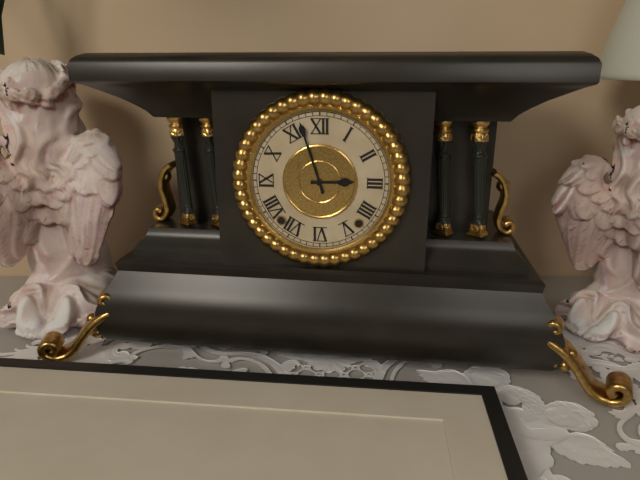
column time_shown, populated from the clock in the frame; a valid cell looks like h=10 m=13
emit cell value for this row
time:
h=2 m=57
